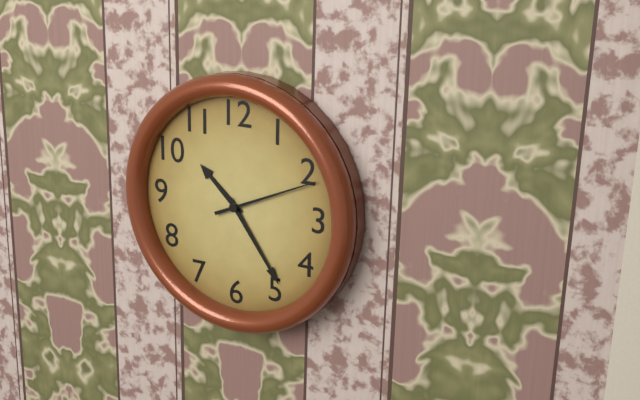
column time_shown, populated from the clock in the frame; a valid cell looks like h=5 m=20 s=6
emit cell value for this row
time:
h=10 m=24 s=11
